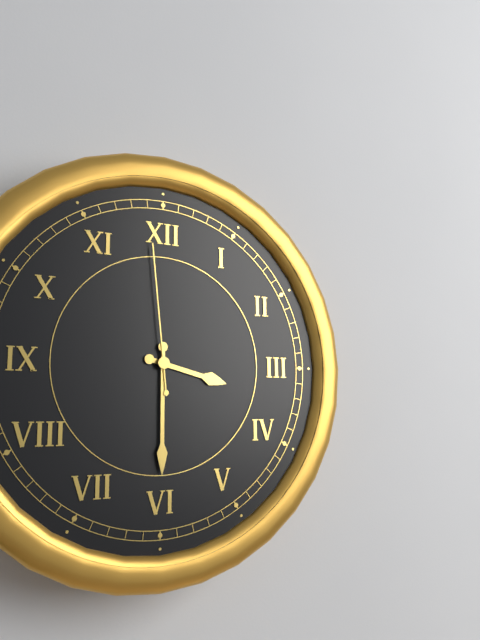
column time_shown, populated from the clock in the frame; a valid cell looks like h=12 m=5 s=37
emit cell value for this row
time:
h=3 m=30 s=59
